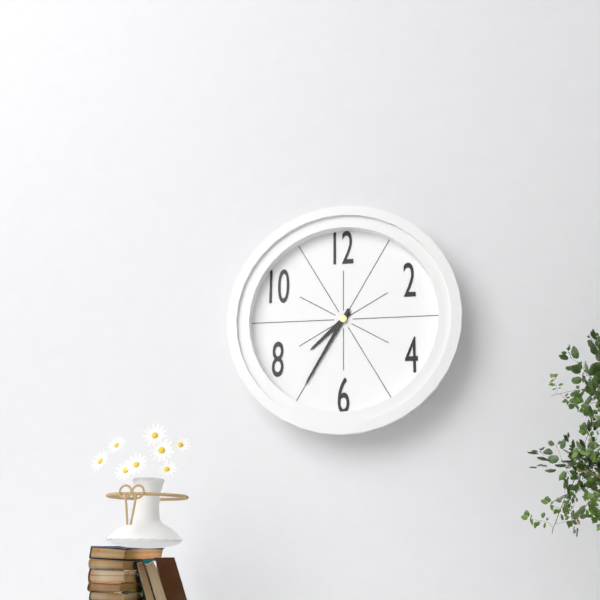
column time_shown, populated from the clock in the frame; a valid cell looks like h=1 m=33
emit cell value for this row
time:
h=7 m=35
